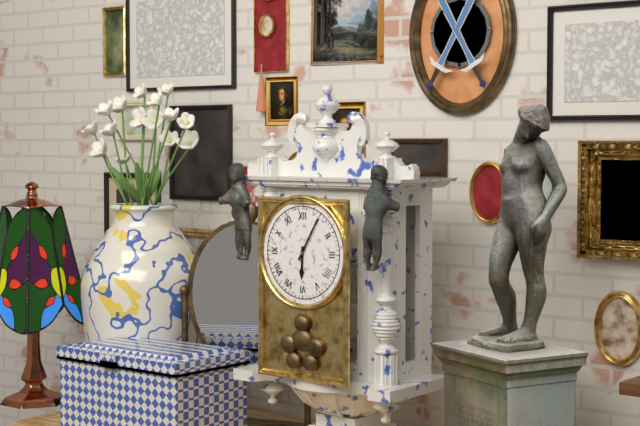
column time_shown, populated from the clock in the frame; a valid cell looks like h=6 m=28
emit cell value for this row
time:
h=6 m=5
